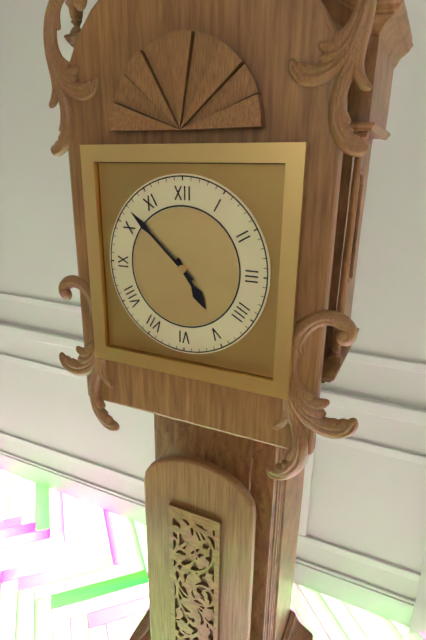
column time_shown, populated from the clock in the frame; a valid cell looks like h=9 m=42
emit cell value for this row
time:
h=4 m=52
